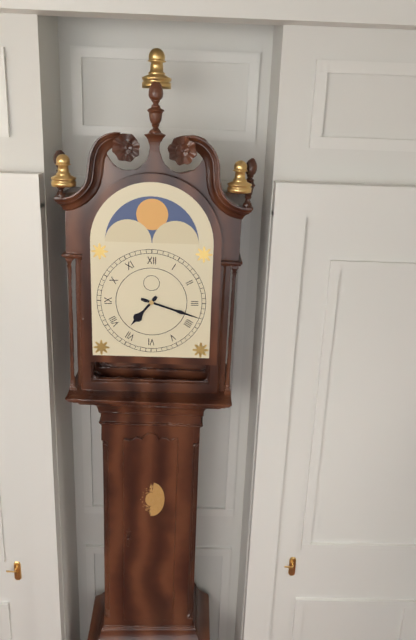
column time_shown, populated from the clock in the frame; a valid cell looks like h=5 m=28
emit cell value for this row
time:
h=7 m=18
